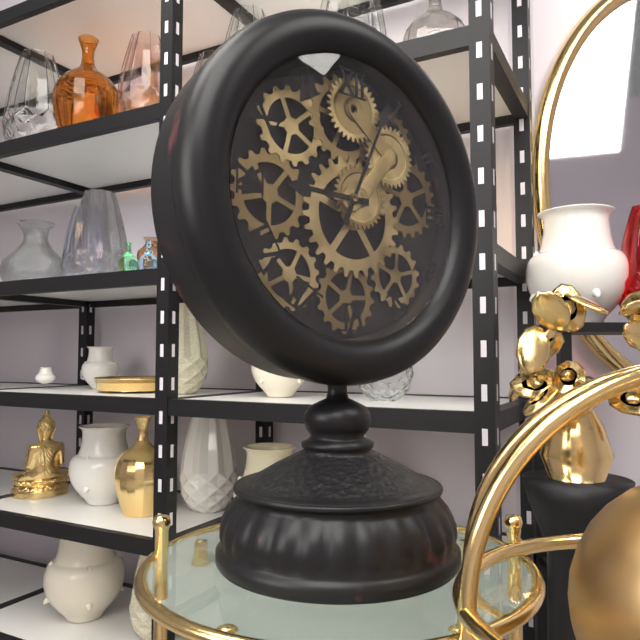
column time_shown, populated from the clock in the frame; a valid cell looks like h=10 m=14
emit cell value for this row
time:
h=9 m=4
